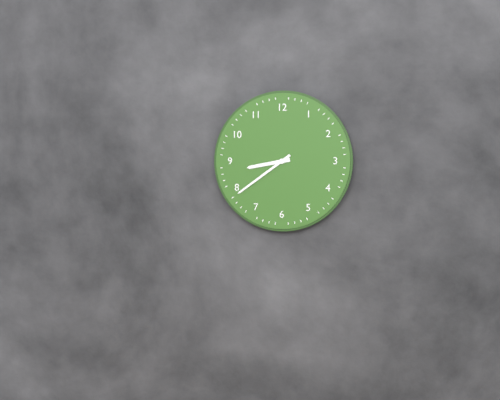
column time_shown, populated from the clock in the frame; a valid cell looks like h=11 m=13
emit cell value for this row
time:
h=8 m=39
